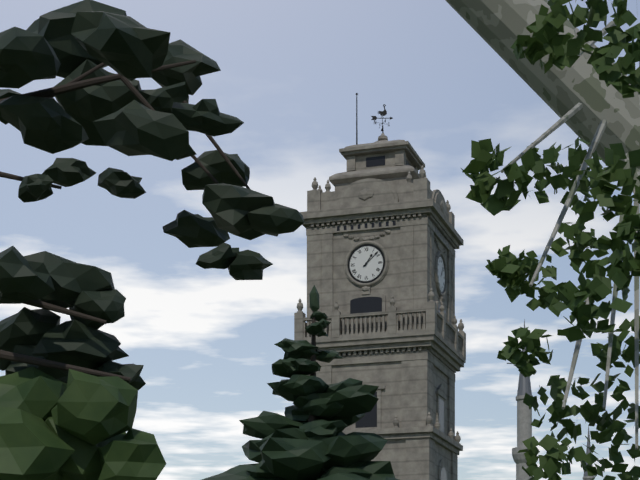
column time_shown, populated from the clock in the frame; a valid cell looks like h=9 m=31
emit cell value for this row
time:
h=1 m=8
